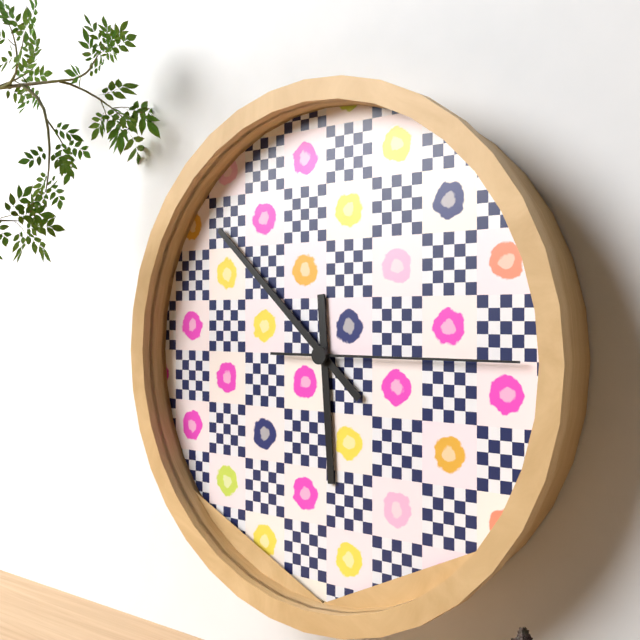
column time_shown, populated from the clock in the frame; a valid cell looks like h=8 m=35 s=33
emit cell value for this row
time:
h=5 m=52 s=15
